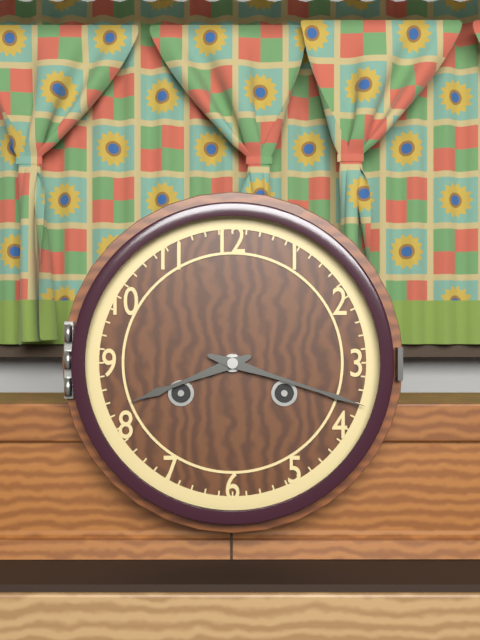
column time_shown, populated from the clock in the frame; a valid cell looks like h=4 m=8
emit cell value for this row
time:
h=8 m=18
